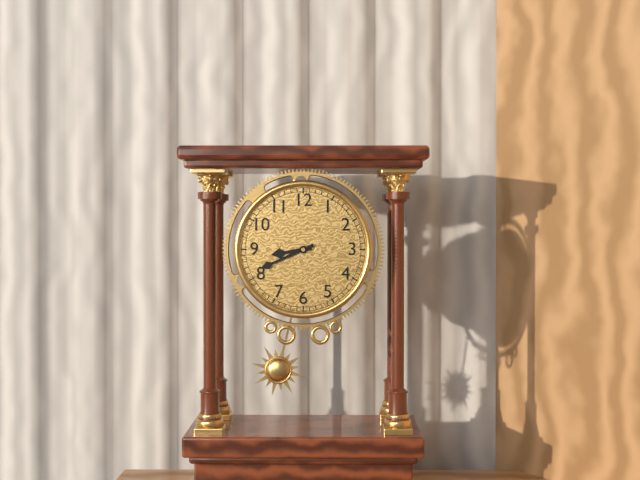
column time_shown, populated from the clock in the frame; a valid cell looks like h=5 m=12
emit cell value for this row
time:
h=8 m=41
